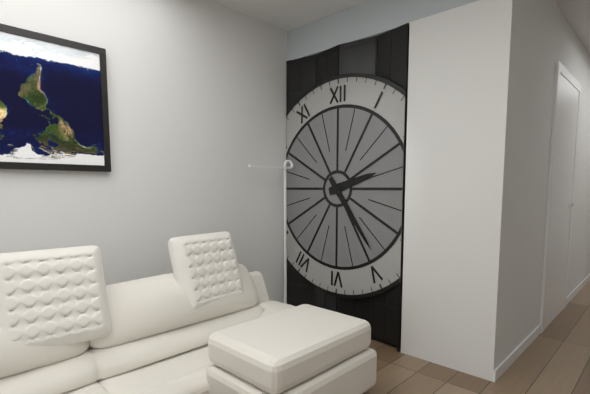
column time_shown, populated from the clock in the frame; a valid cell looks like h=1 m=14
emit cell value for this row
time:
h=2 m=24
